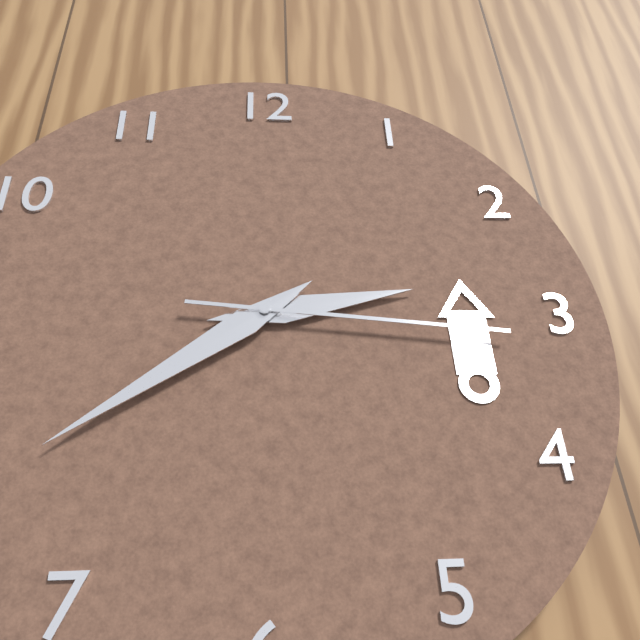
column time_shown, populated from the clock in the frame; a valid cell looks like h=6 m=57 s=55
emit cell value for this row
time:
h=2 m=39 s=16
